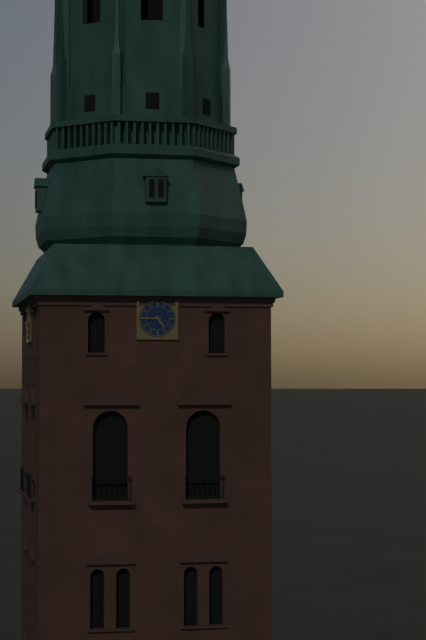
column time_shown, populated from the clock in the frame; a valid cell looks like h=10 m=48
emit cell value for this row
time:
h=4 m=45
